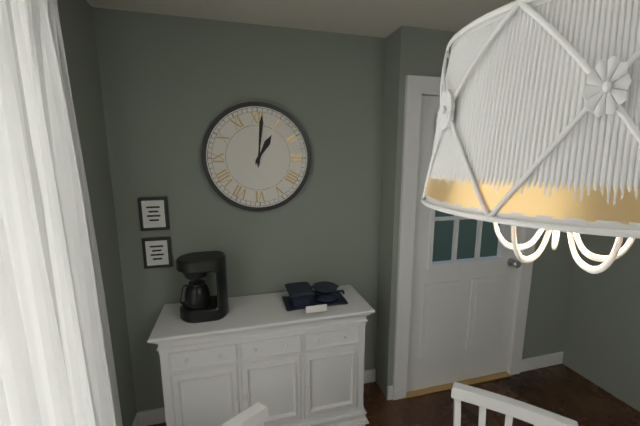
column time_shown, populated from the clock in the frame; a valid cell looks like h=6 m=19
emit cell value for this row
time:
h=1 m=1
